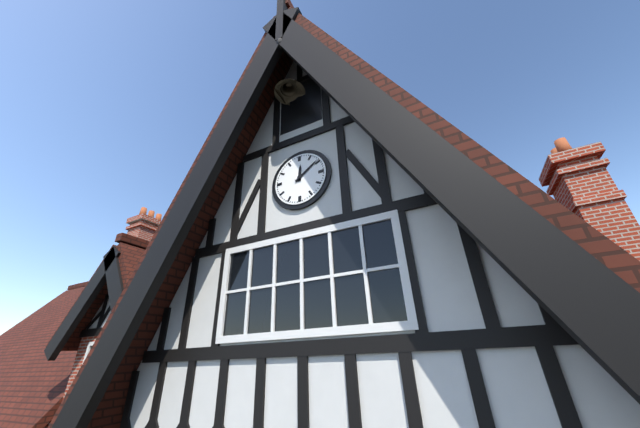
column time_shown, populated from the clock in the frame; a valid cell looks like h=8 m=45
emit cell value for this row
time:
h=12 m=9
